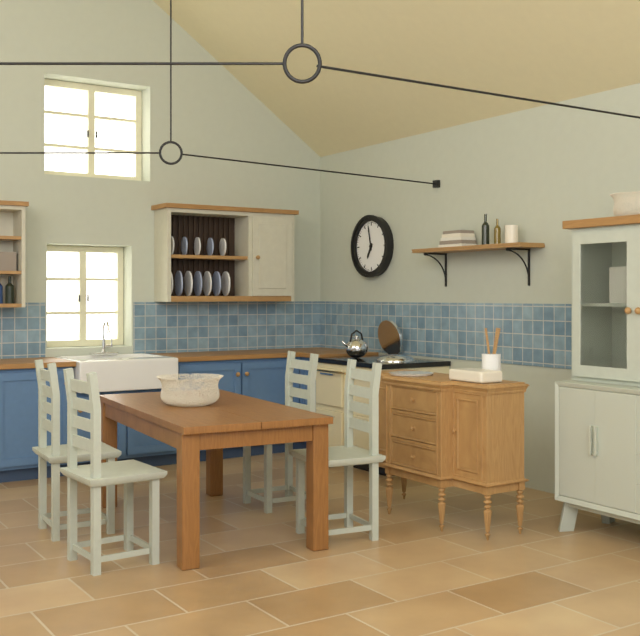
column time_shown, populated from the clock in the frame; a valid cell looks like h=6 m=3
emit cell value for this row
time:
h=6 m=58
